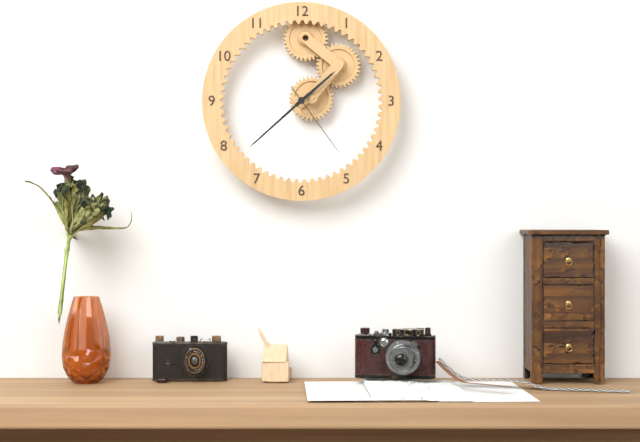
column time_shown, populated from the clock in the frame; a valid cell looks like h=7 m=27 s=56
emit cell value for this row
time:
h=1 m=38 s=24
